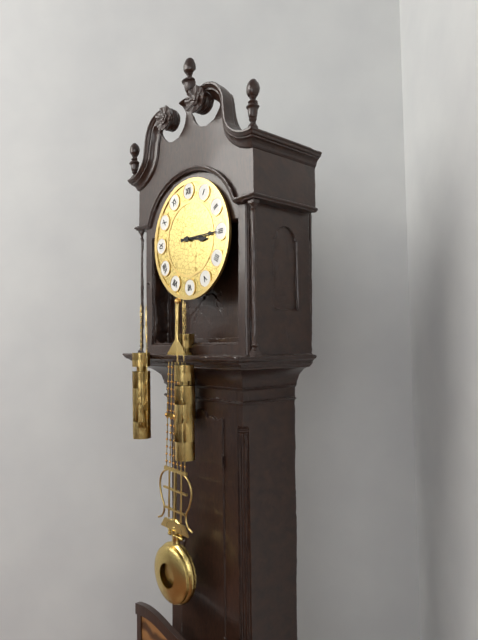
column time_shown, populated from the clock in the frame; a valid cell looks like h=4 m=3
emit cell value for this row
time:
h=3 m=15
